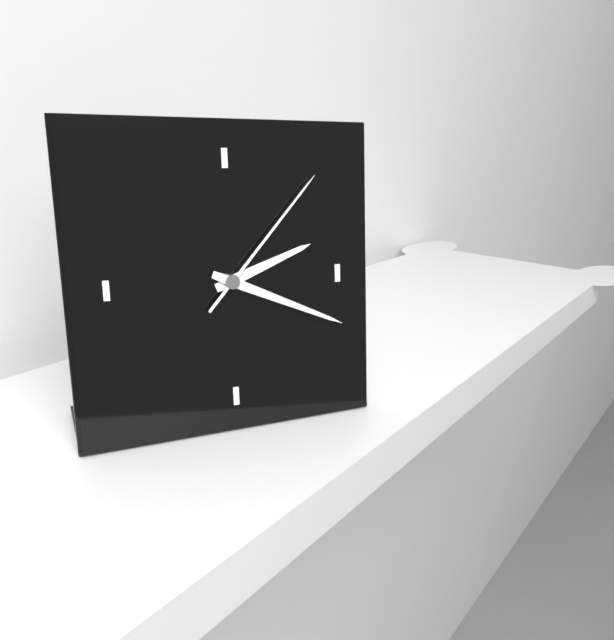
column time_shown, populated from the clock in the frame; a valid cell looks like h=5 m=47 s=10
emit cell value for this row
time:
h=2 m=19 s=7
